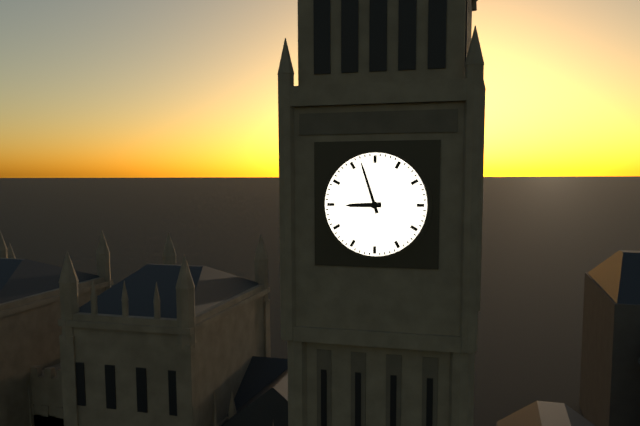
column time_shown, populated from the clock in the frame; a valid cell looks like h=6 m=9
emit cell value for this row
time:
h=8 m=57
